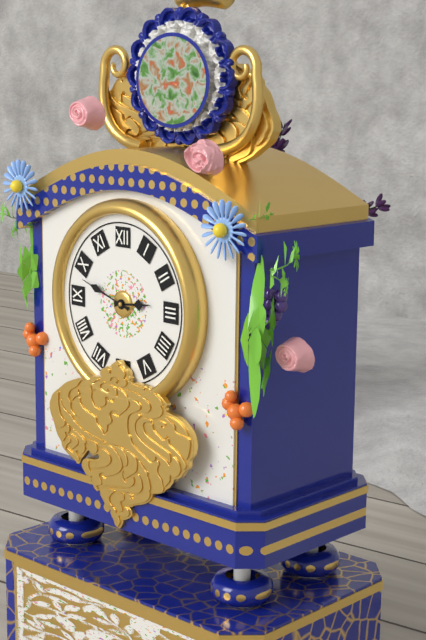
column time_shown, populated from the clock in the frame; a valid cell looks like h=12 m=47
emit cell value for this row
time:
h=2 m=48
